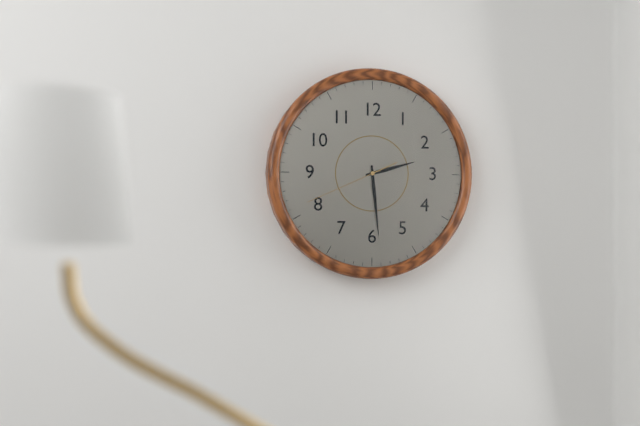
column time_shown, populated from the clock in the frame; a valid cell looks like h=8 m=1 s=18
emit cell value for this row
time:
h=2 m=29 s=41
